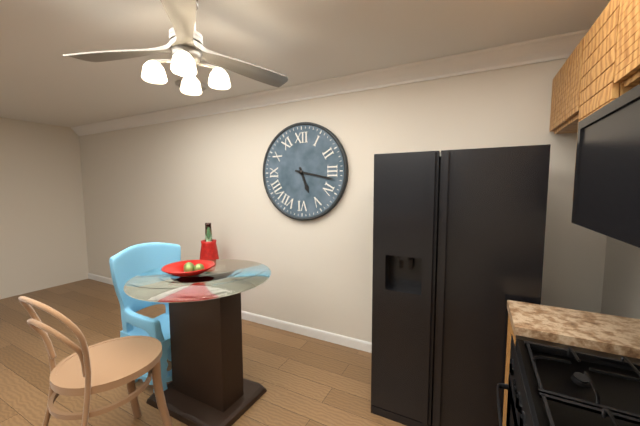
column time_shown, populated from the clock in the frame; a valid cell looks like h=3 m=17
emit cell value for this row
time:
h=5 m=17
